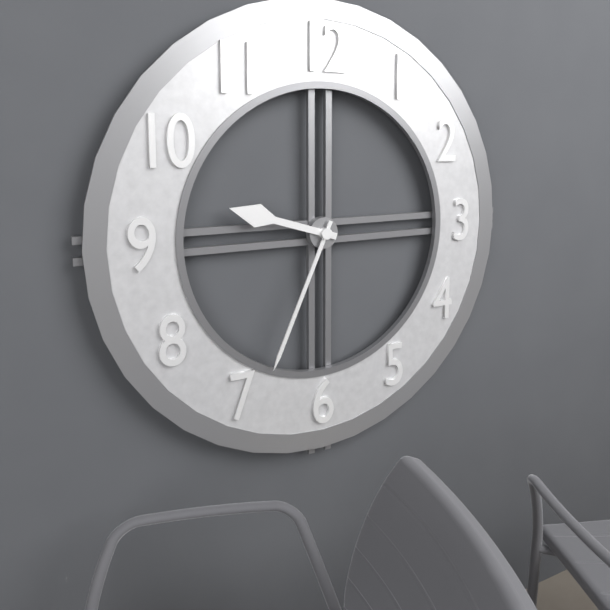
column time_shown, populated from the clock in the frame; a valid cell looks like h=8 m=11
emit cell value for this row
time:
h=9 m=34
